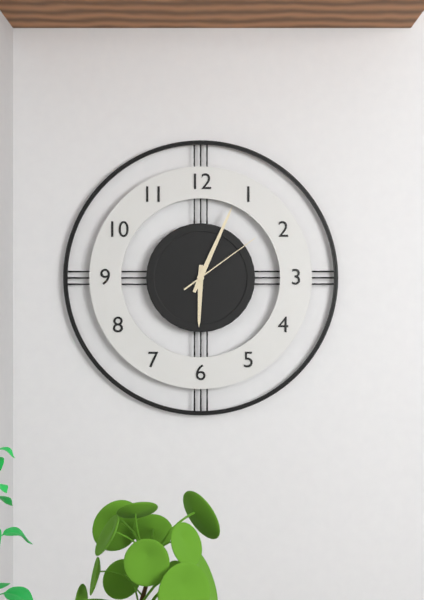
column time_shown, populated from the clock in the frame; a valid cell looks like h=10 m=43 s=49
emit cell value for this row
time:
h=6 m=4 s=9
